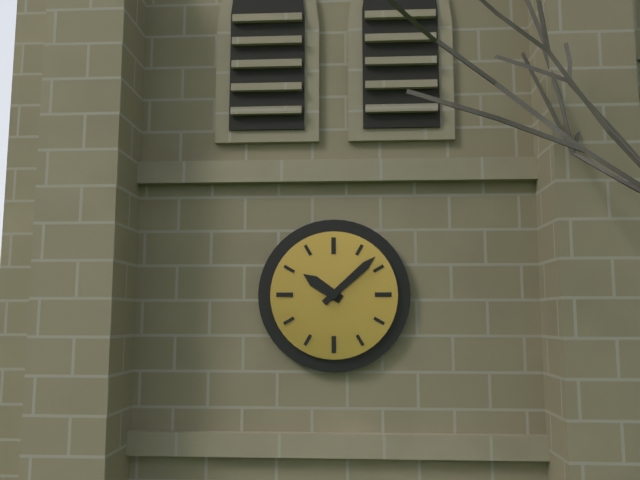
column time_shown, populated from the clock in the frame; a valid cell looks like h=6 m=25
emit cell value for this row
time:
h=10 m=8
